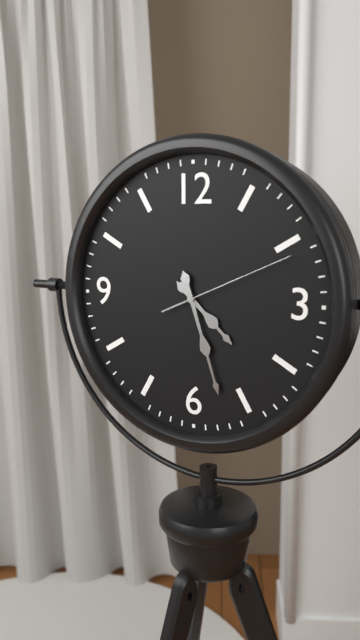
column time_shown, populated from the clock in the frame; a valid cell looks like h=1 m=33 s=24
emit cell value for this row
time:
h=4 m=27 s=11
